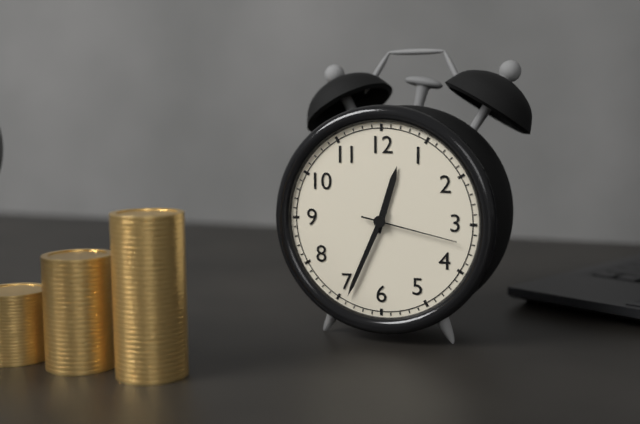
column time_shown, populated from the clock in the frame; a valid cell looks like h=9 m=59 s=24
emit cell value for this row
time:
h=12 m=34 s=17
